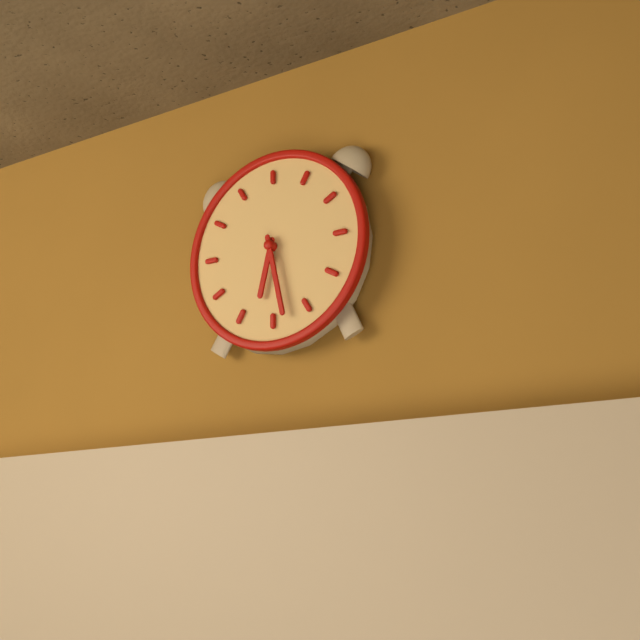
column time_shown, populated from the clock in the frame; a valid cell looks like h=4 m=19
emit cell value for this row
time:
h=6 m=28
